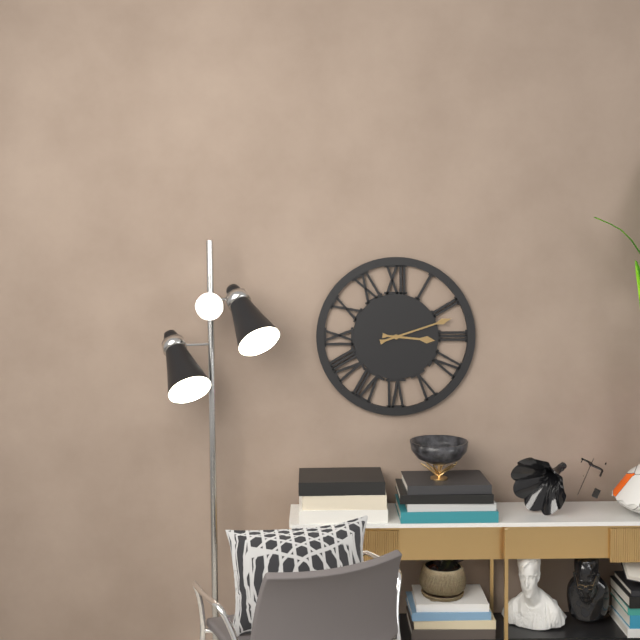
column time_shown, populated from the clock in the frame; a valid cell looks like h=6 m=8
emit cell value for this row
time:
h=3 m=12
